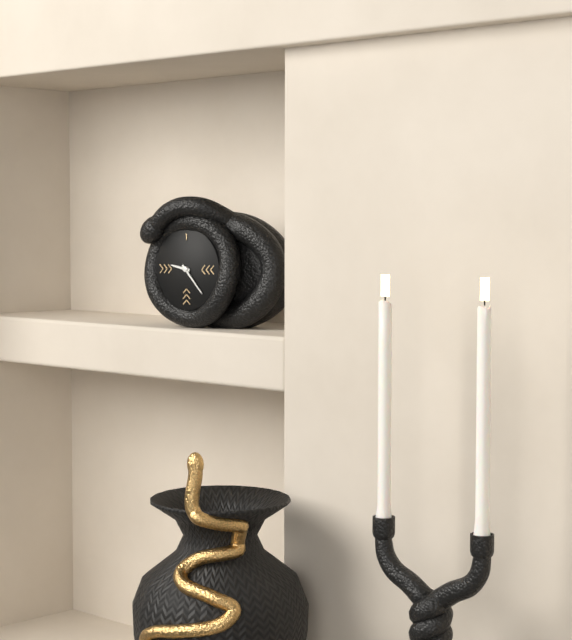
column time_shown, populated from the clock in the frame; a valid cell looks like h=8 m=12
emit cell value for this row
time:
h=9 m=23
